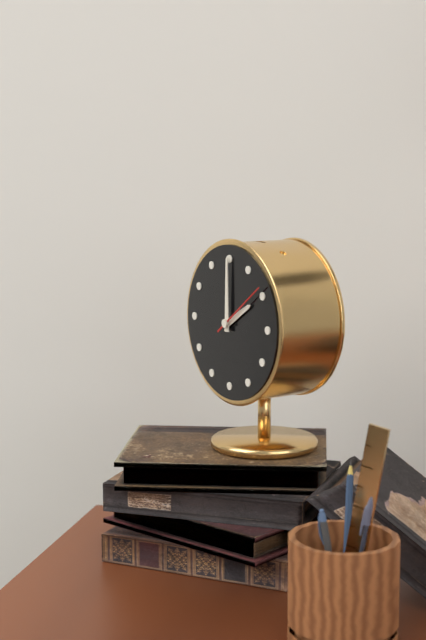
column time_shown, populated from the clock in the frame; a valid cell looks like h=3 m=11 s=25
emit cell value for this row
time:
h=2 m=0 s=9
